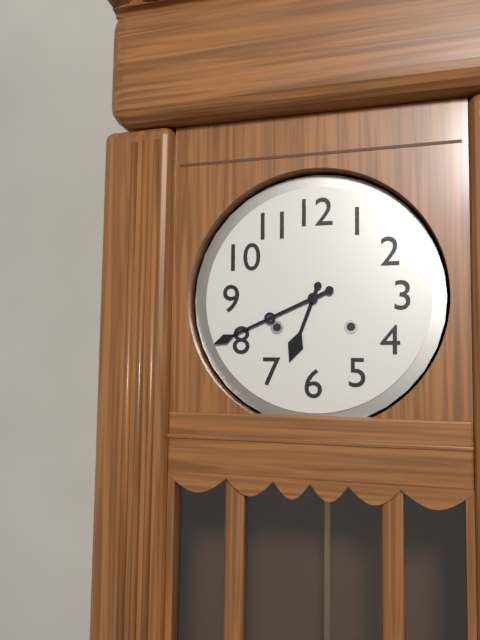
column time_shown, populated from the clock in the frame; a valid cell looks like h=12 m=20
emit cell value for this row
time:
h=6 m=41
